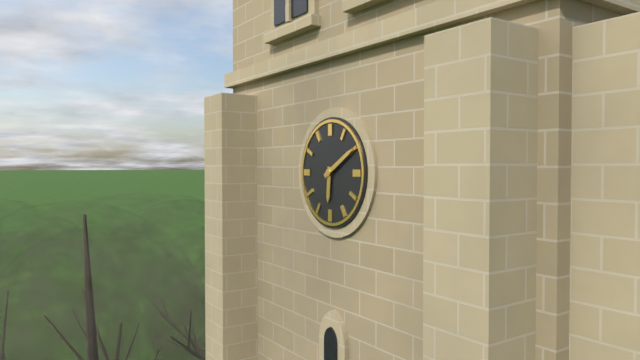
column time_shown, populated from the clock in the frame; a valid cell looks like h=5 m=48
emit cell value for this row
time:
h=6 m=10
